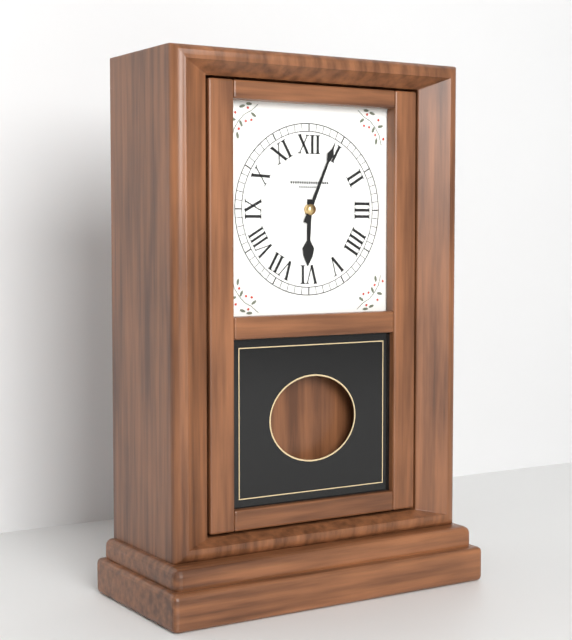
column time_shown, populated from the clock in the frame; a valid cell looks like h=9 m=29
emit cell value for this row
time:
h=6 m=4
